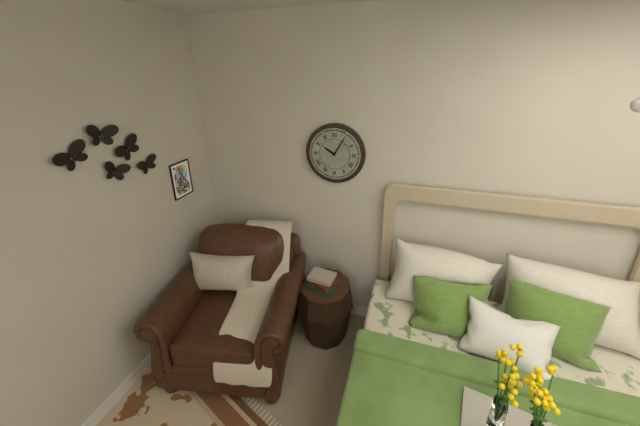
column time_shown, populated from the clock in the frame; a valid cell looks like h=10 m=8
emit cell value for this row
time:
h=10 m=5
